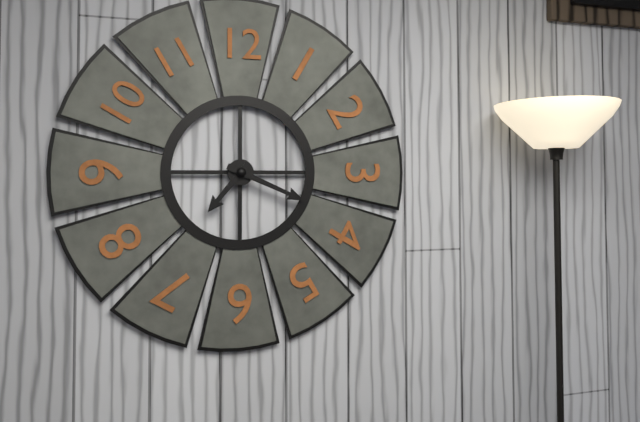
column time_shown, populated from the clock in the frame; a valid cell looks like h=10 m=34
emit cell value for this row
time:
h=7 m=19
